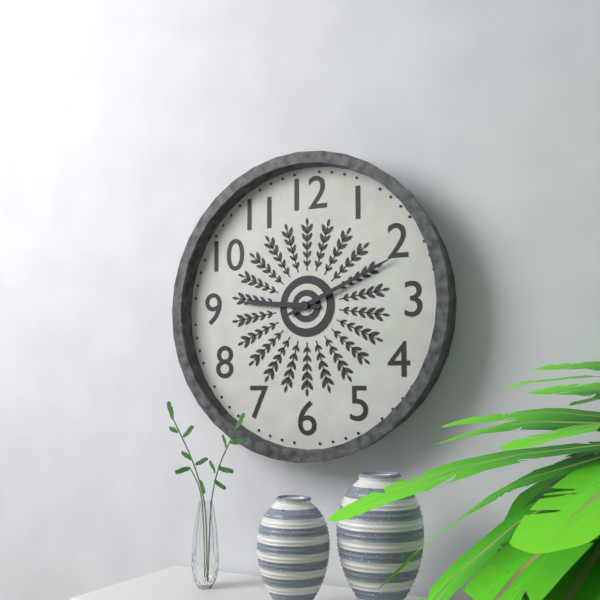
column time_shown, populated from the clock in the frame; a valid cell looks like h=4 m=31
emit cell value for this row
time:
h=9 m=11
